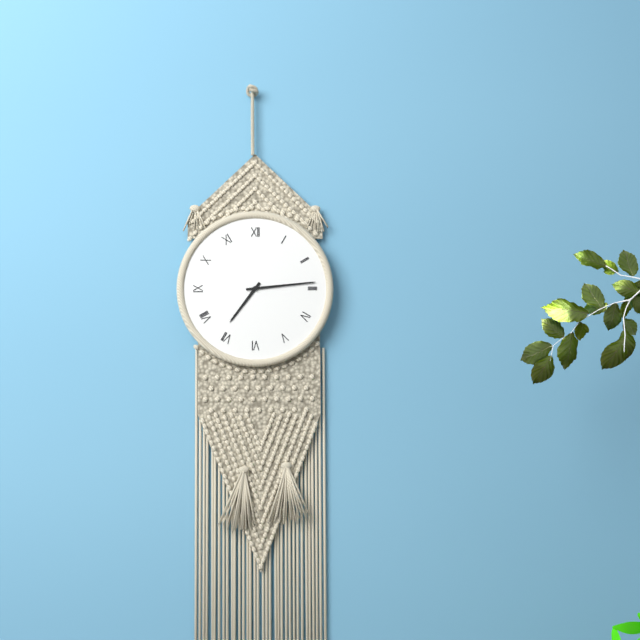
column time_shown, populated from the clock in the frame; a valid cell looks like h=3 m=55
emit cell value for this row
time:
h=7 m=14
